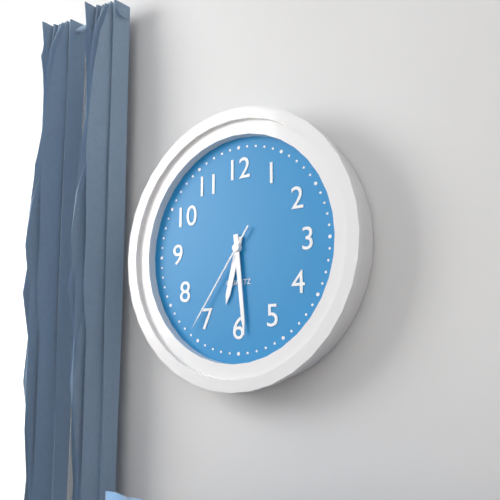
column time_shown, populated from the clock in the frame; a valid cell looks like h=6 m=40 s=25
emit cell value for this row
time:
h=6 m=29 s=36
